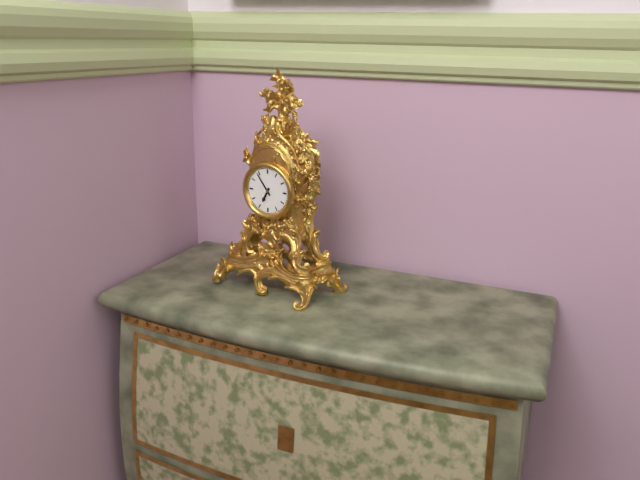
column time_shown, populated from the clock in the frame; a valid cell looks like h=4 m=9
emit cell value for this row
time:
h=6 m=54
